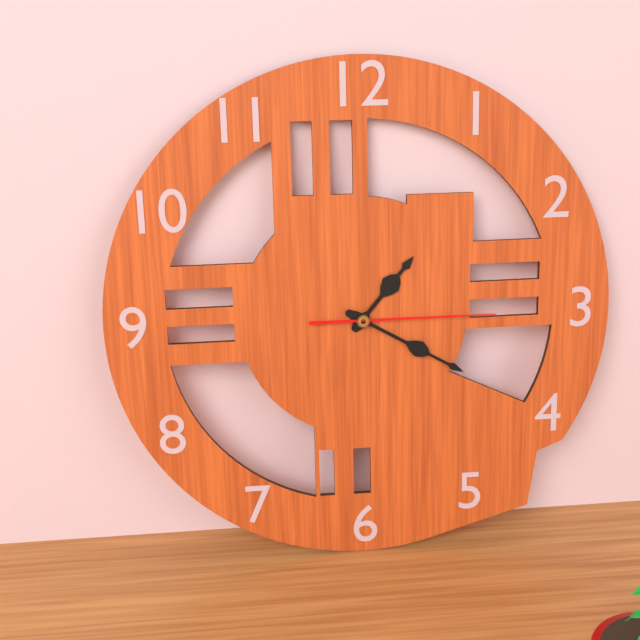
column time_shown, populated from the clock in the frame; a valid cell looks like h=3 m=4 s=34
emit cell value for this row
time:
h=1 m=20 s=15
